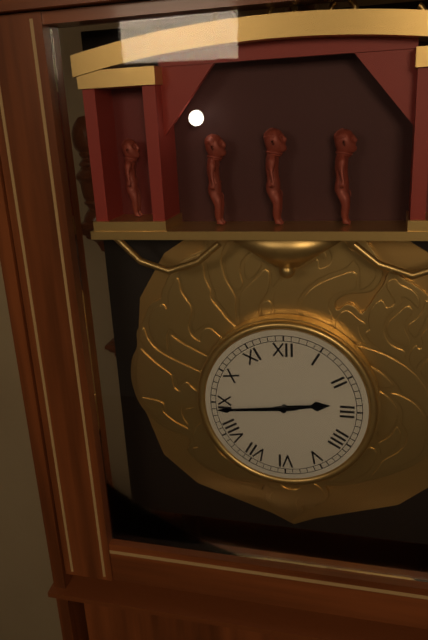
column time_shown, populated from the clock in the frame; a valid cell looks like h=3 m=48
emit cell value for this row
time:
h=2 m=44
